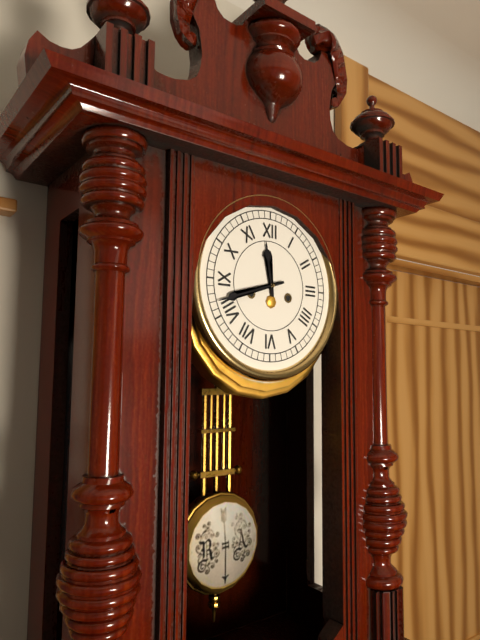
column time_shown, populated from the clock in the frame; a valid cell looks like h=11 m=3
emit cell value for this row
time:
h=11 m=42
